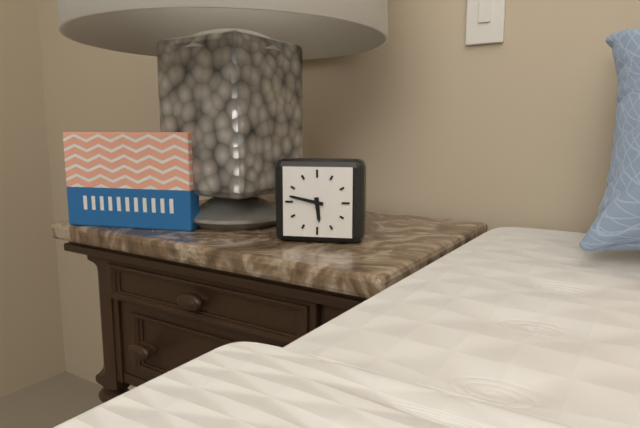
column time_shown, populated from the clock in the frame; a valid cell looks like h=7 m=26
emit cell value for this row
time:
h=5 m=47
